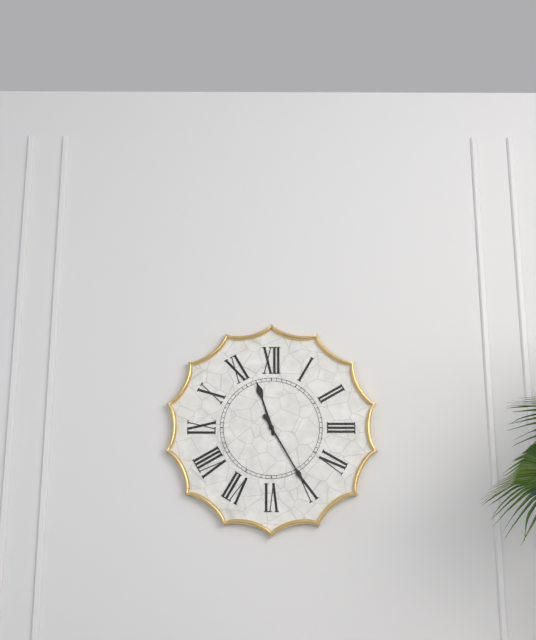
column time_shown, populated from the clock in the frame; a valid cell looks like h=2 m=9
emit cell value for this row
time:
h=11 m=25
